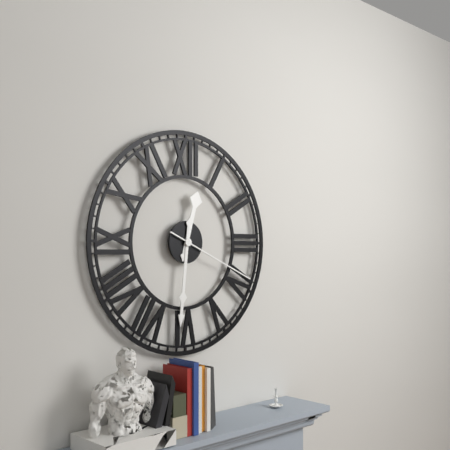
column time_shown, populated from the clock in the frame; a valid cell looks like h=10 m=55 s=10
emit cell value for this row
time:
h=12 m=31 s=19
